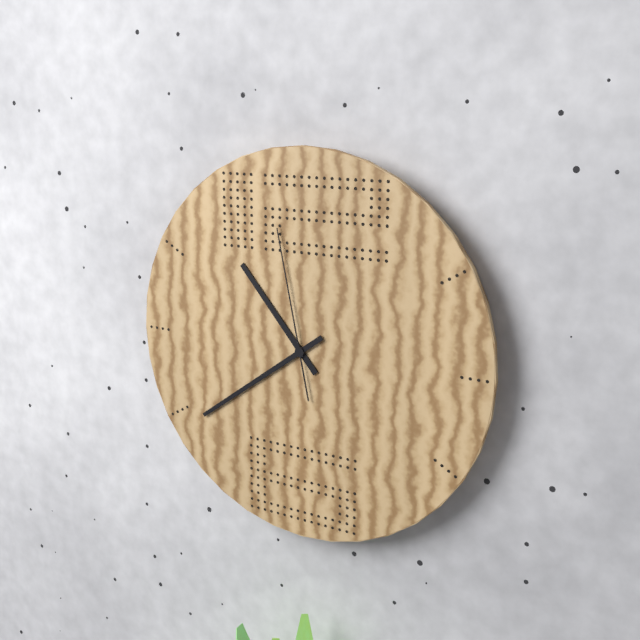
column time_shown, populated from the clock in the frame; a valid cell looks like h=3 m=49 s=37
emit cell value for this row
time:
h=10 m=39 s=58
